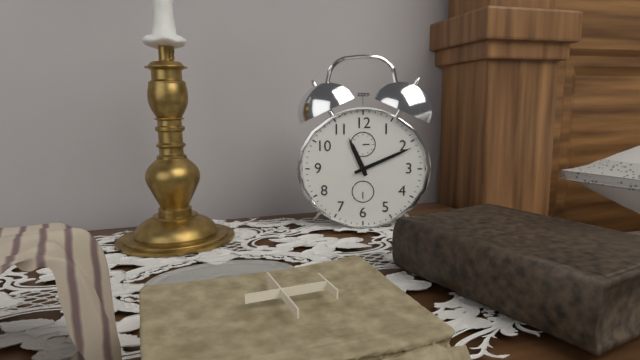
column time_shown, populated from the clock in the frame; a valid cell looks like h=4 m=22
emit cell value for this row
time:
h=11 m=11
